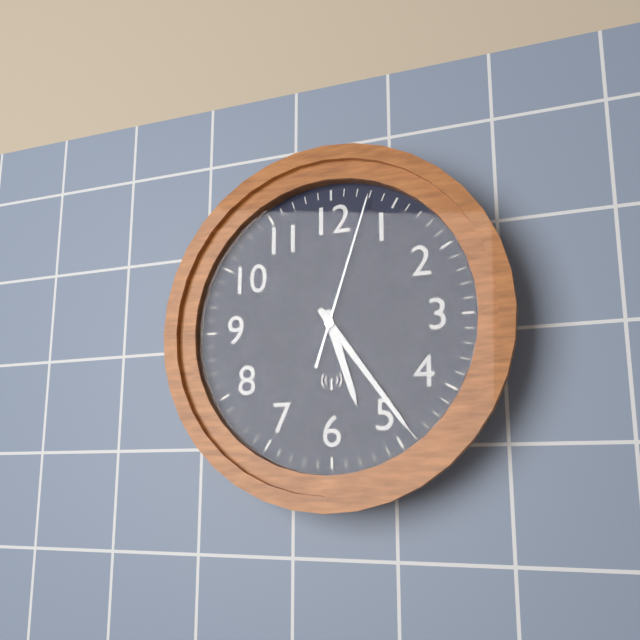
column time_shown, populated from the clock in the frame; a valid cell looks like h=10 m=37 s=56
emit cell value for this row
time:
h=5 m=24 s=3
